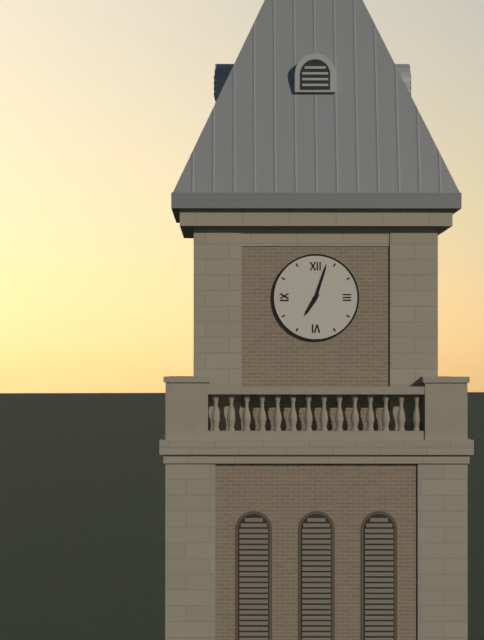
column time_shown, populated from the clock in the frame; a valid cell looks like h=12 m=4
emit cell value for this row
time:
h=7 m=3
